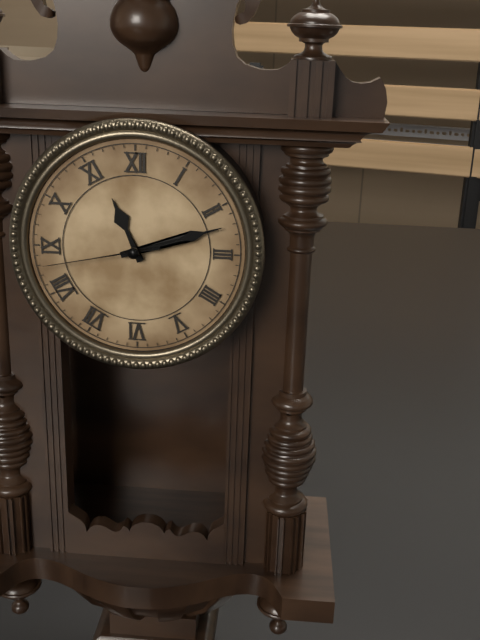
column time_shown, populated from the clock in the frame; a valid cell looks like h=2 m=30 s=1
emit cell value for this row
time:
h=11 m=12 s=43
